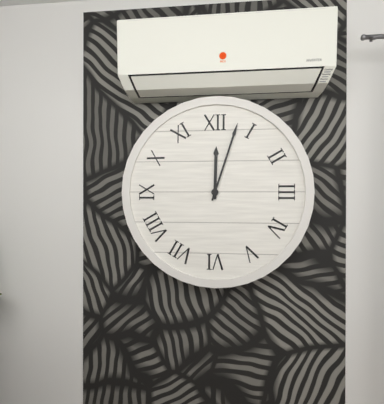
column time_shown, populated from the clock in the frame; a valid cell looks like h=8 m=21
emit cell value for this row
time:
h=12 m=3
